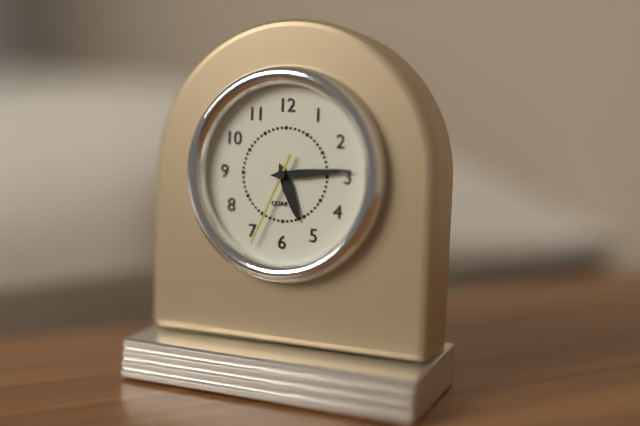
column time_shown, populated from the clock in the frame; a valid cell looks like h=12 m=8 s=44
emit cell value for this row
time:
h=5 m=14 s=34
